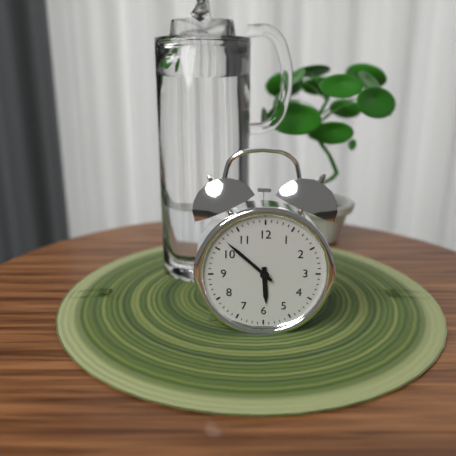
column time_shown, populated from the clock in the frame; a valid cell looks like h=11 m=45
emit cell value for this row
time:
h=5 m=52
